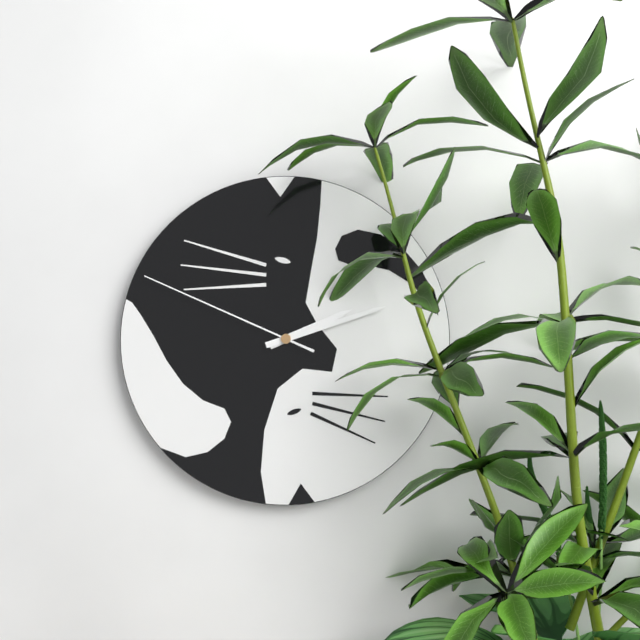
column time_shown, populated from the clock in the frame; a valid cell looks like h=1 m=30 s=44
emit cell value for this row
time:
h=2 m=12 s=49
